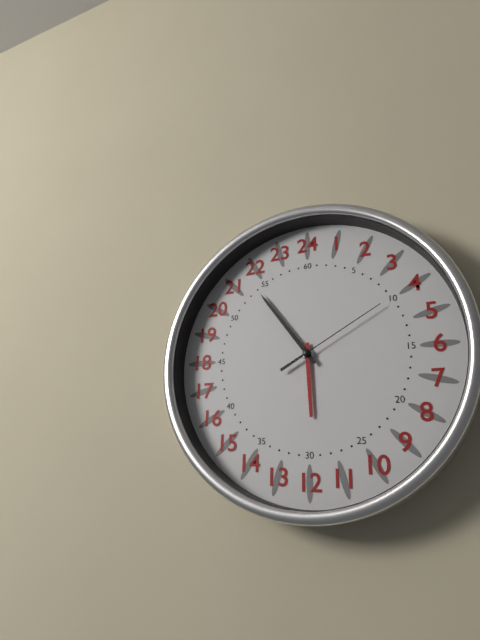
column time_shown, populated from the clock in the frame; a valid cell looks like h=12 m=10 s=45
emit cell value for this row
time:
h=5 m=54 s=10
